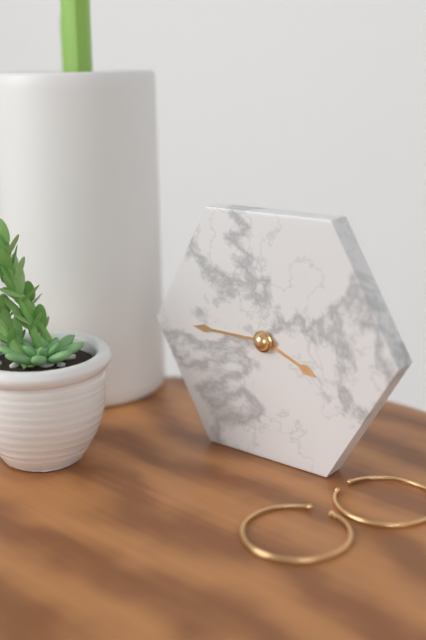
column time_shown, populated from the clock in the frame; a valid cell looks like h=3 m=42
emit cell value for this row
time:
h=3 m=45
